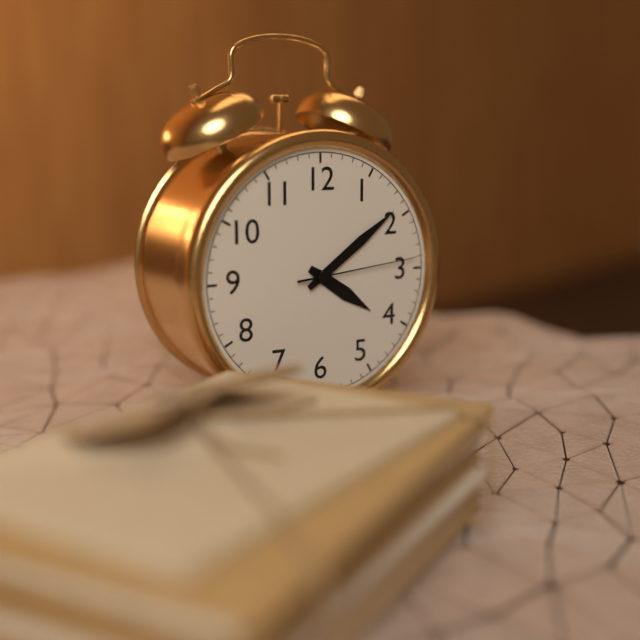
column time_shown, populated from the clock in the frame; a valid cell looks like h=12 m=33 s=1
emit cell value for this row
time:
h=4 m=9 s=14
